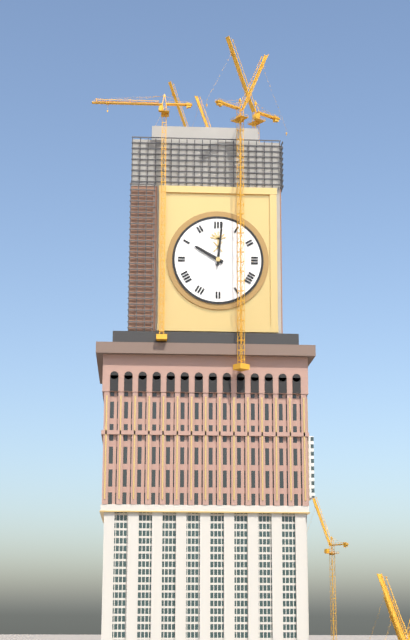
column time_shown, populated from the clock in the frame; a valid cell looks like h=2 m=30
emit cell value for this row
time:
h=10 m=1
